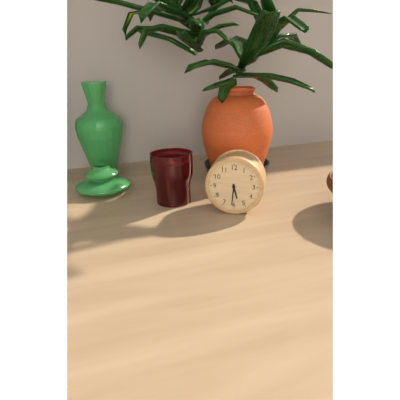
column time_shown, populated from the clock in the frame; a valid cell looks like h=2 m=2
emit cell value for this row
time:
h=5 m=31
